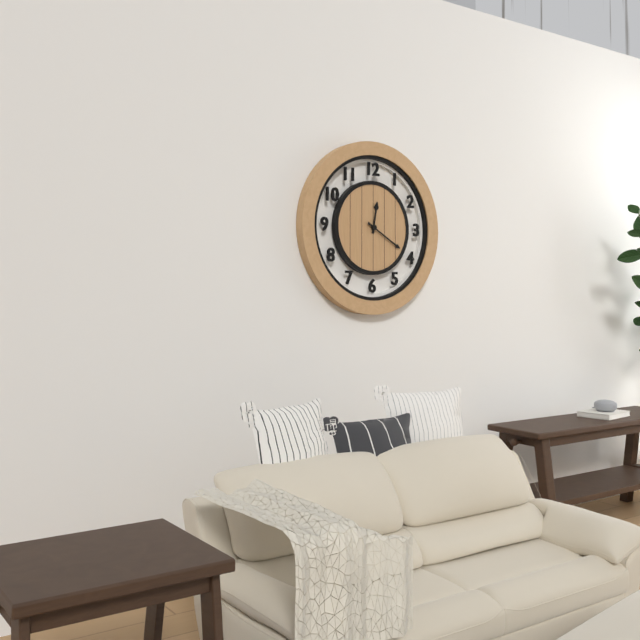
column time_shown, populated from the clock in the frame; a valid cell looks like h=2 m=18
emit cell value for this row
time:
h=12 m=20
